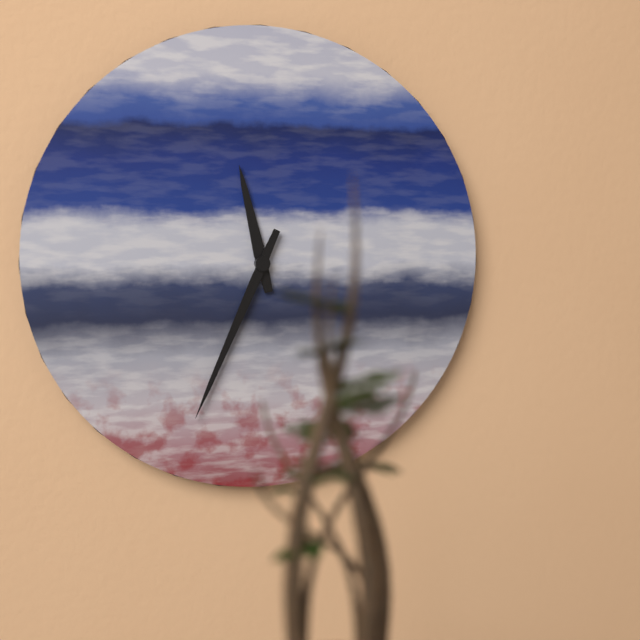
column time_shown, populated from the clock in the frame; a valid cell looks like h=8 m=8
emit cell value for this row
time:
h=11 m=34
